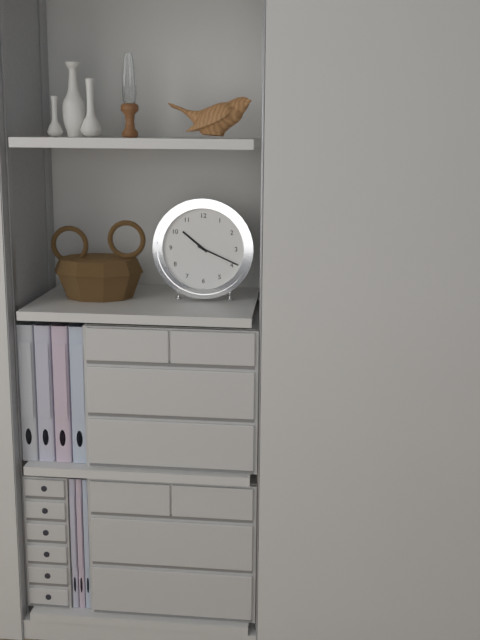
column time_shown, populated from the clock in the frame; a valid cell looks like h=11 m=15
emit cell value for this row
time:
h=10 m=19
